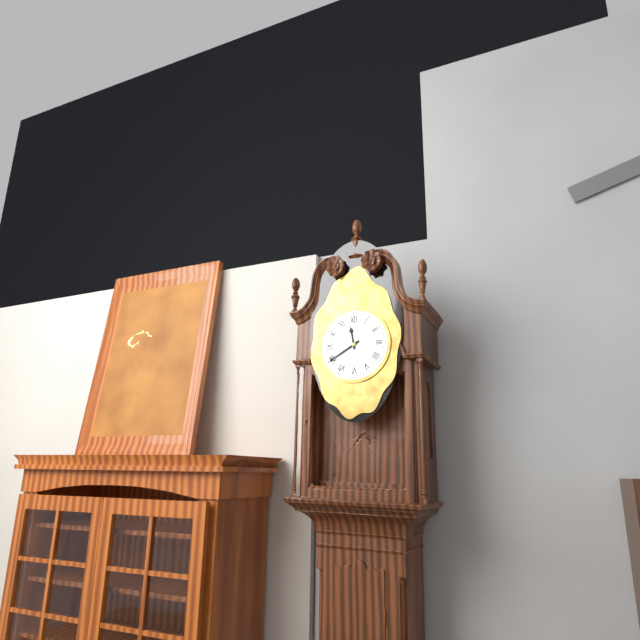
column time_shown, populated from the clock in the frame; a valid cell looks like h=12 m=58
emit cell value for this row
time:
h=11 m=40
